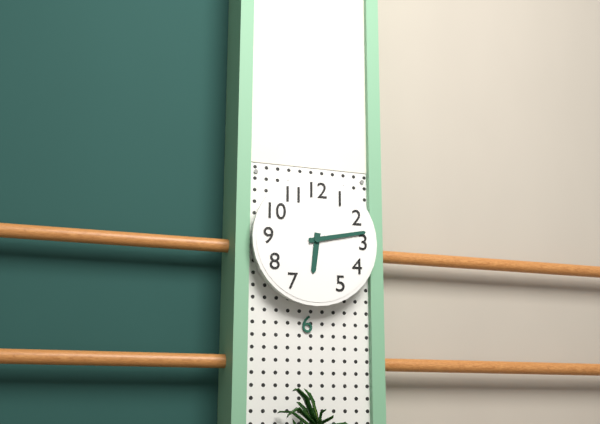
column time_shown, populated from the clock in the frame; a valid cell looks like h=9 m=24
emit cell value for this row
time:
h=6 m=13
